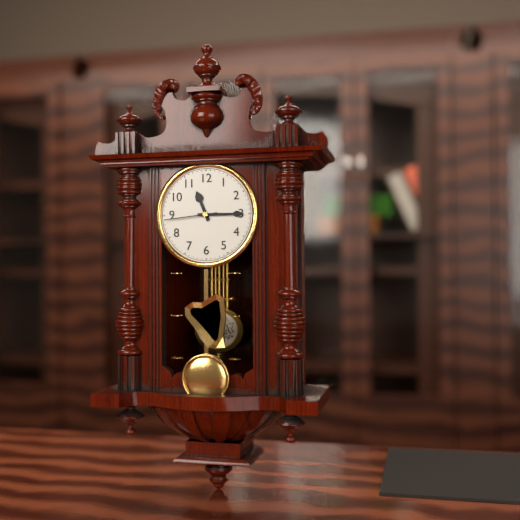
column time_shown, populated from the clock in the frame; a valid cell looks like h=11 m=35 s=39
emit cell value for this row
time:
h=11 m=15 s=44
